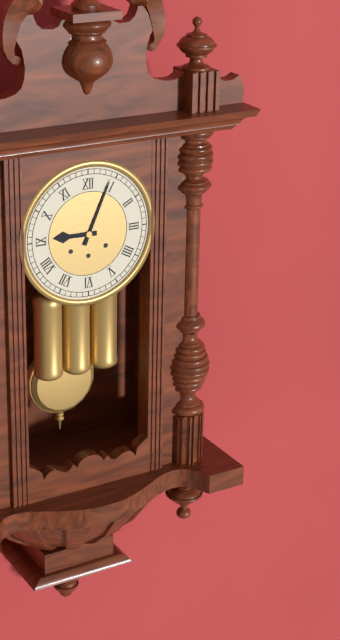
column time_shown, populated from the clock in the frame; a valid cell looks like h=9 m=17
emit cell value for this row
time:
h=9 m=4
